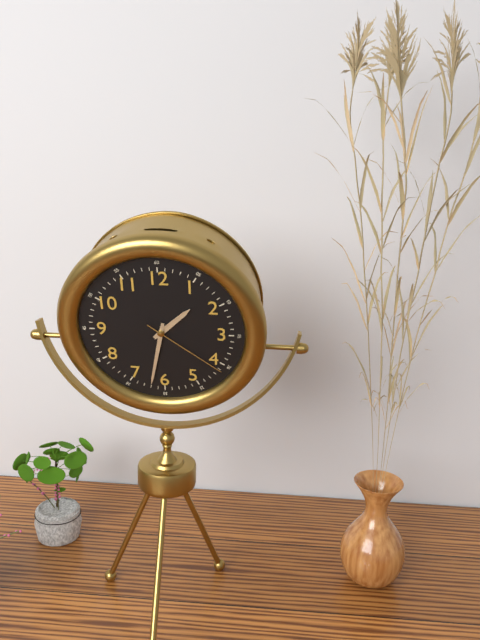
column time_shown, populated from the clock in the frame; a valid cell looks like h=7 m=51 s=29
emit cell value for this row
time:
h=1 m=32 s=21
